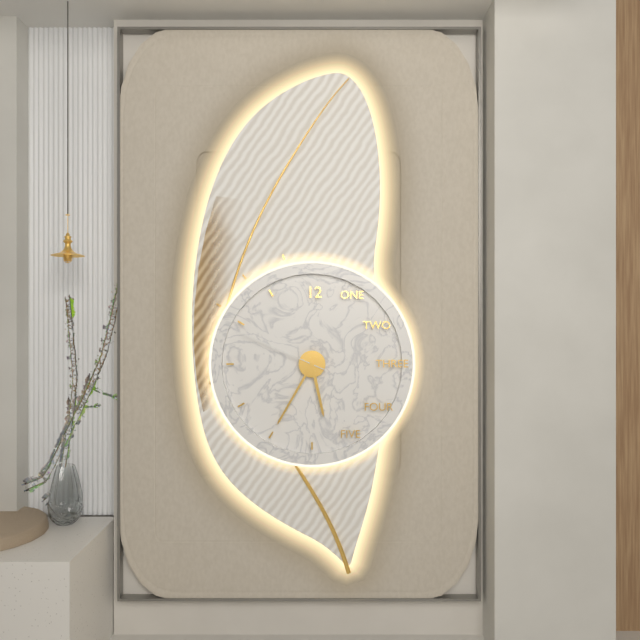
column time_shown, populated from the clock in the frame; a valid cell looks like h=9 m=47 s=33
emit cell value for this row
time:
h=5 m=35 s=49
